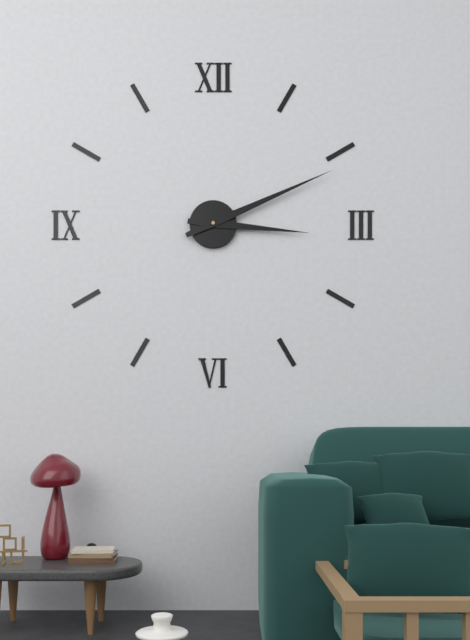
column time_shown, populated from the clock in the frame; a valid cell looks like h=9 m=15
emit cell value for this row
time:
h=3 m=11
